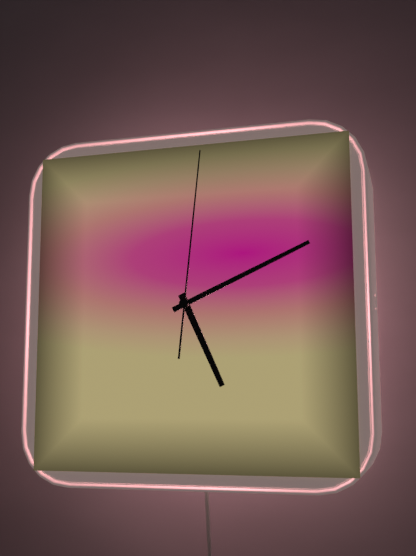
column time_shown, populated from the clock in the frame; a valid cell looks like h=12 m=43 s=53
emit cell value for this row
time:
h=5 m=11 s=1
